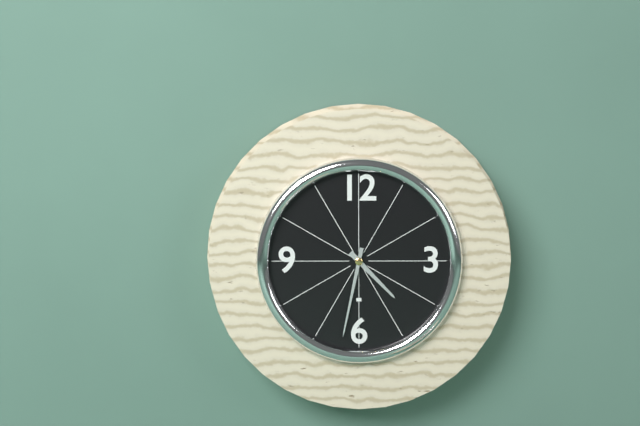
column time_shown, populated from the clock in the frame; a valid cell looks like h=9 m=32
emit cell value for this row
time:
h=4 m=32
